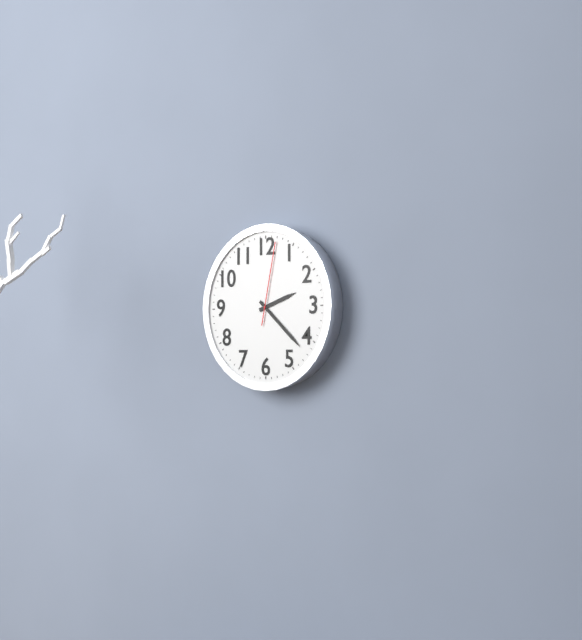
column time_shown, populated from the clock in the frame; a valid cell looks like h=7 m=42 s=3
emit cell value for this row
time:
h=2 m=22 s=2
